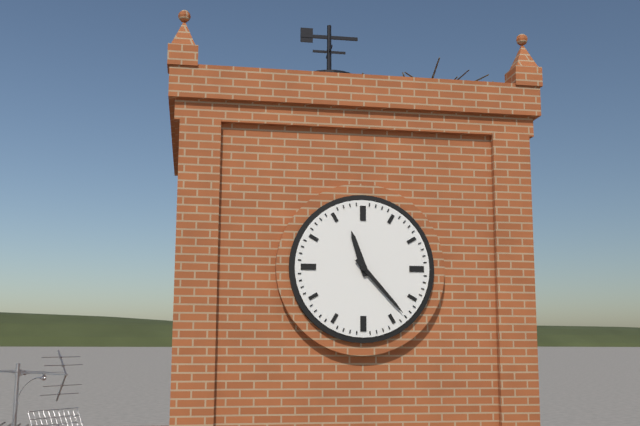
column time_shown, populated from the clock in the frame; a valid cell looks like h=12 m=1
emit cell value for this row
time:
h=11 m=23
